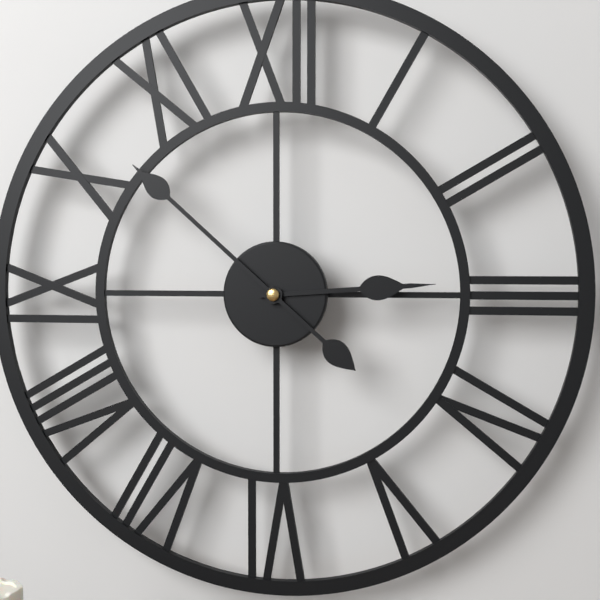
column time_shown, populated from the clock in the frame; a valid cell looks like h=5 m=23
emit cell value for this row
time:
h=2 m=52
